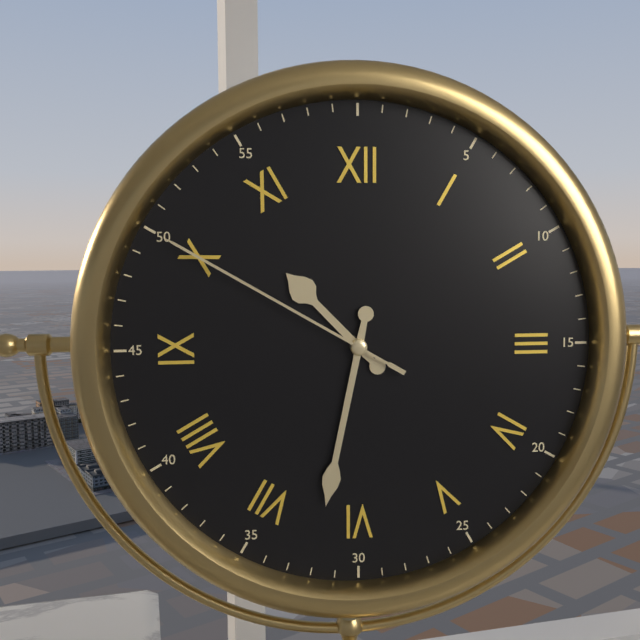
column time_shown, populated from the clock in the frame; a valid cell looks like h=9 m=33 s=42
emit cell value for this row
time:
h=10 m=32 s=50
